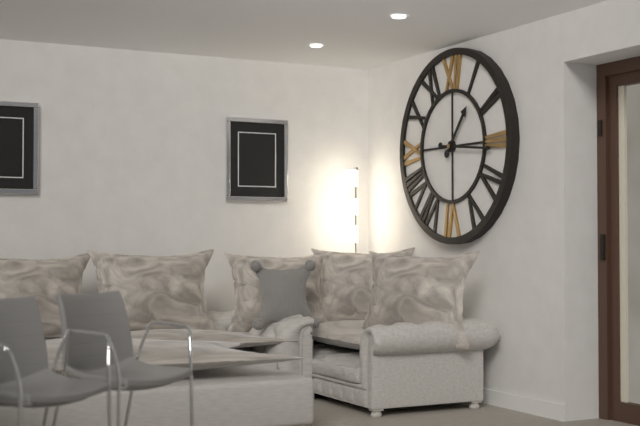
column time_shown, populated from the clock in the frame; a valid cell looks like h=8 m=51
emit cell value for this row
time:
h=1 m=16
